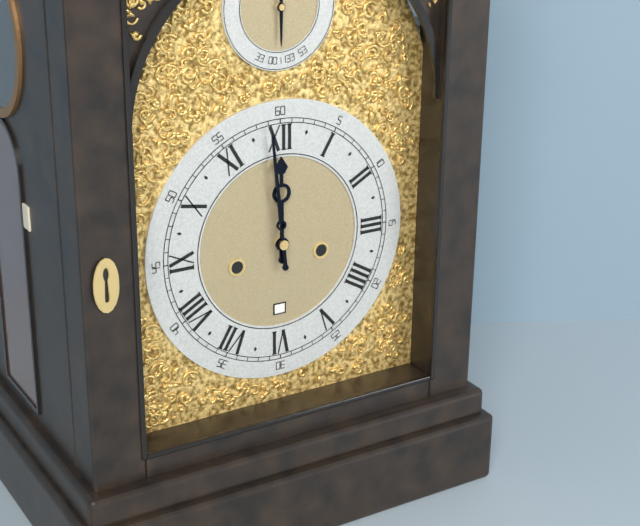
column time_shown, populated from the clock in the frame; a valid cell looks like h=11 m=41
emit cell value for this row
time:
h=11 m=59
